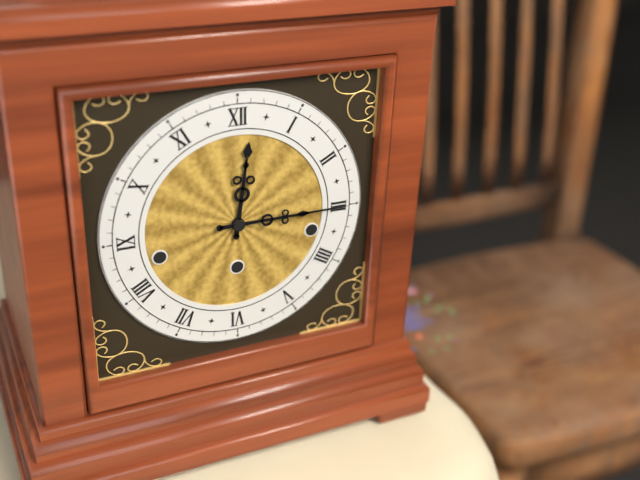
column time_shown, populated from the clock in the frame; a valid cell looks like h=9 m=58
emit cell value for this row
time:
h=12 m=15
